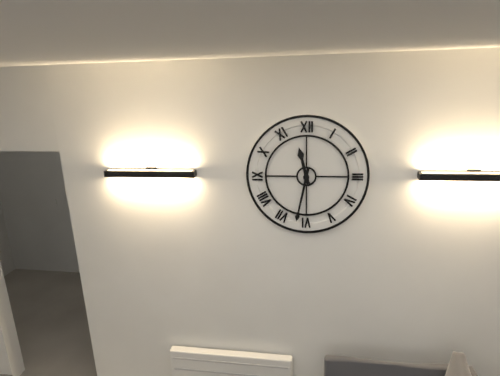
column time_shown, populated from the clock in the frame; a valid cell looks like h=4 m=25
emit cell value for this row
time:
h=11 m=32
